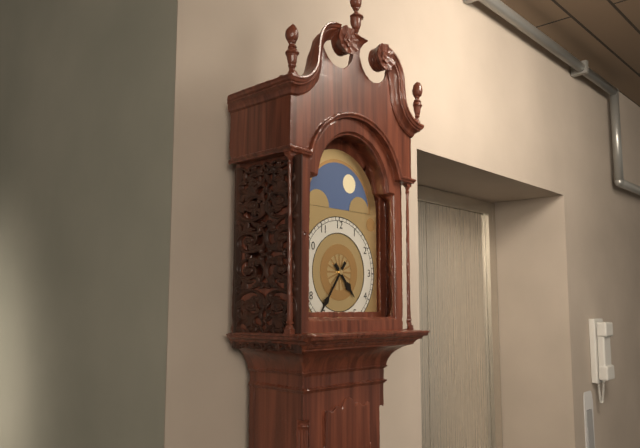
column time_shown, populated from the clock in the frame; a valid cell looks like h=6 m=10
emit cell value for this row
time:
h=4 m=36
